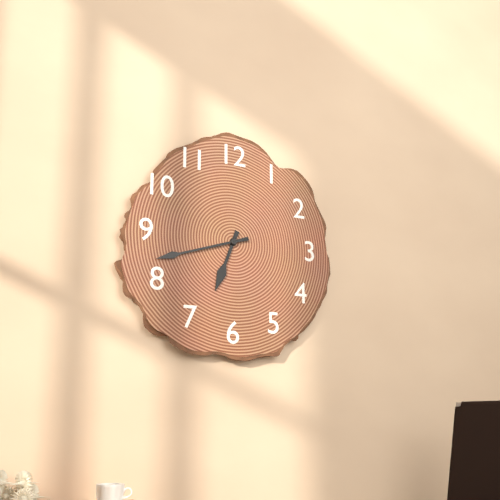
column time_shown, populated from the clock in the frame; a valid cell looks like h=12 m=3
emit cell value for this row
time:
h=6 m=42
